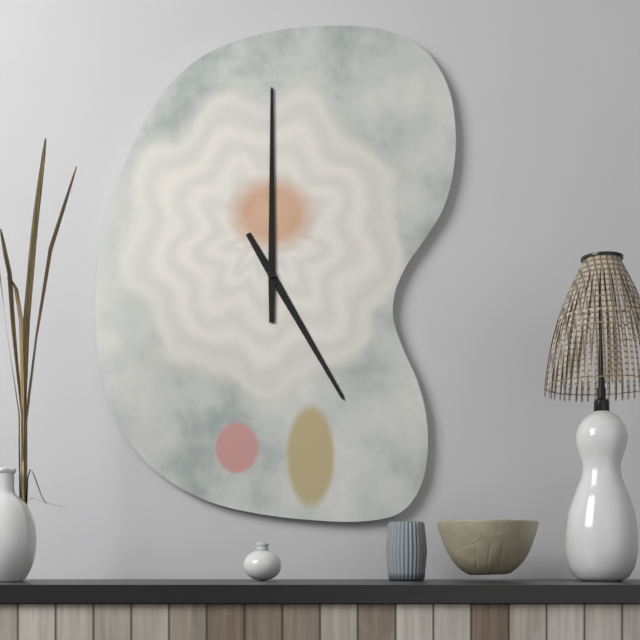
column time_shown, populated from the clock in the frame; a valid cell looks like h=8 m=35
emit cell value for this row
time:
h=5 m=0
